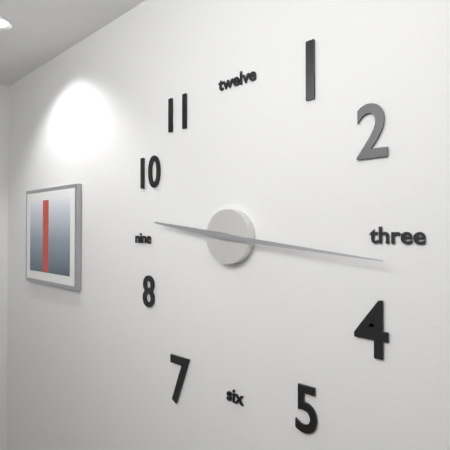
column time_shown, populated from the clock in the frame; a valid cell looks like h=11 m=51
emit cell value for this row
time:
h=9 m=16
